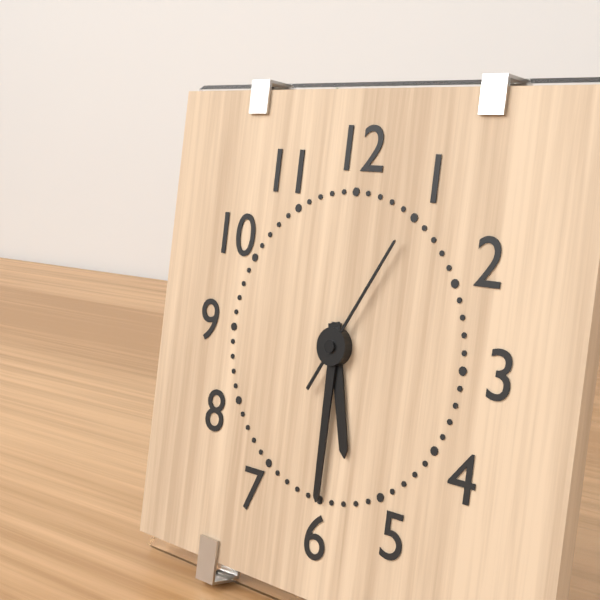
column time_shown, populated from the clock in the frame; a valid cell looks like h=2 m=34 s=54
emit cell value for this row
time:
h=5 m=30 s=5
